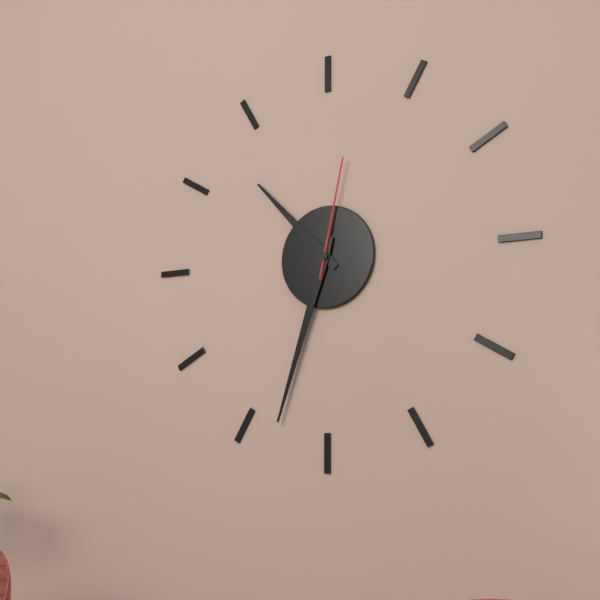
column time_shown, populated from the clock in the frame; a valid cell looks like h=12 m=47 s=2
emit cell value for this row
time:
h=10 m=33 s=2
